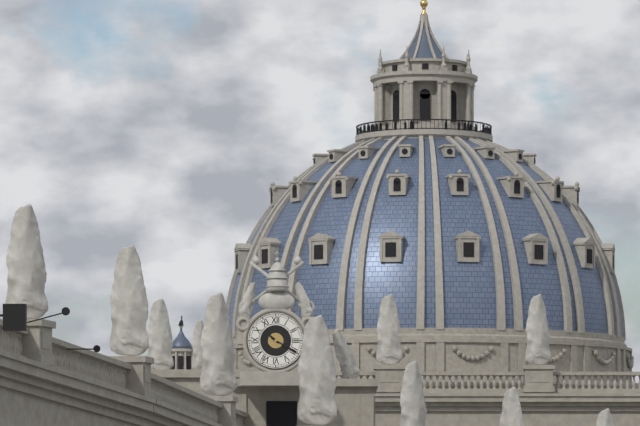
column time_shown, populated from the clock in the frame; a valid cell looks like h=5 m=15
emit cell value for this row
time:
h=10 m=20
